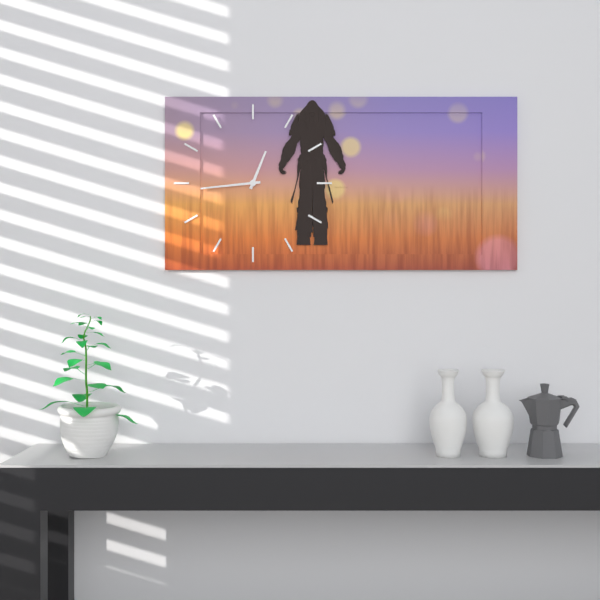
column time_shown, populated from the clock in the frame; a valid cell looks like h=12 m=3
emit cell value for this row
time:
h=12 m=44
